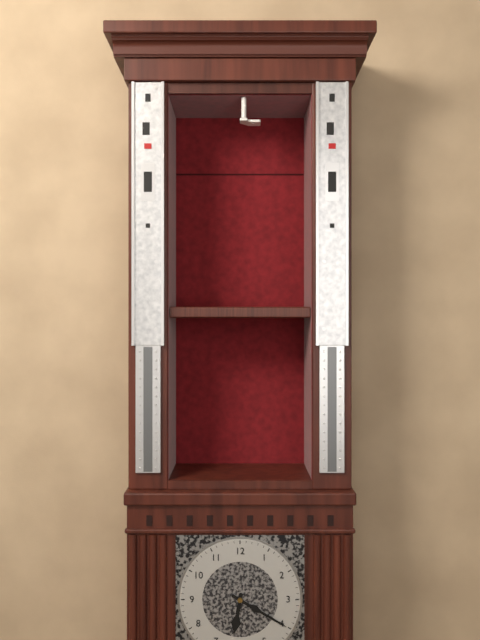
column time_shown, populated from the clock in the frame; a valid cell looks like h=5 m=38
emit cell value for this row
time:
h=6 m=20
